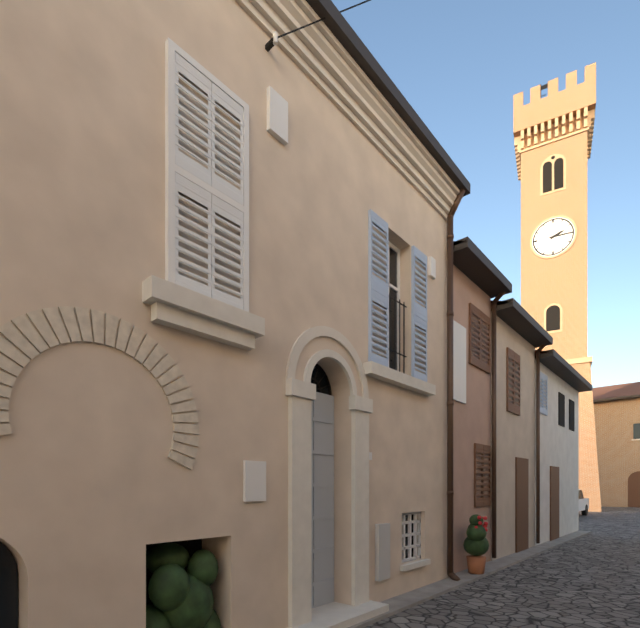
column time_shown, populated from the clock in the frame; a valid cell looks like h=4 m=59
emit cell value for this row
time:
h=2 m=15
